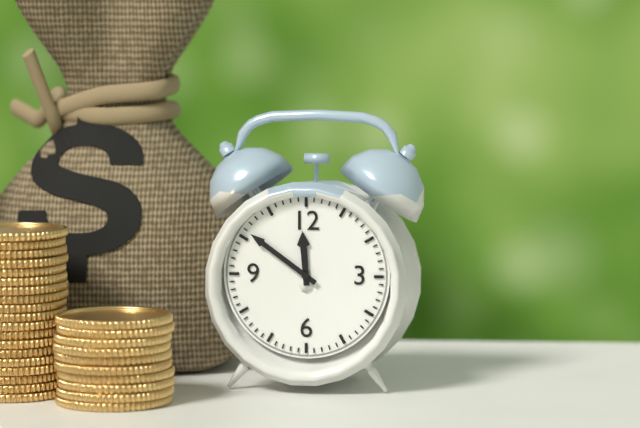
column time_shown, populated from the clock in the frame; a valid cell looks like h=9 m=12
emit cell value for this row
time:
h=11 m=51
